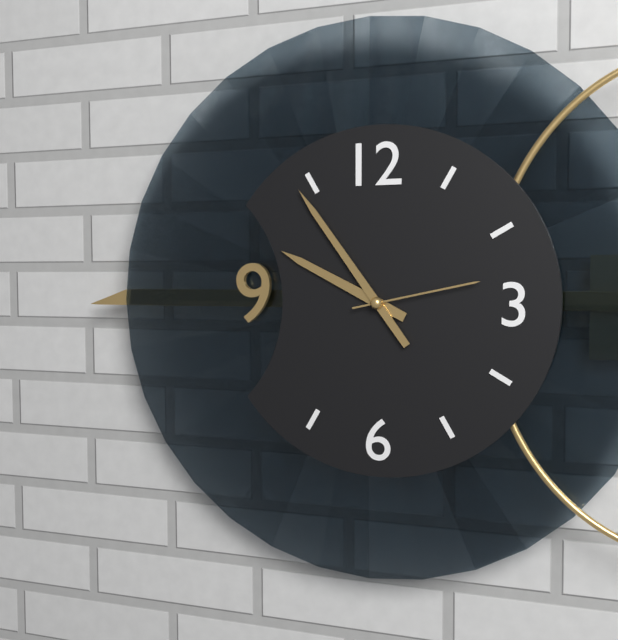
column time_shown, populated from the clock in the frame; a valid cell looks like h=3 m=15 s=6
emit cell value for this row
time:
h=9 m=54 s=13
